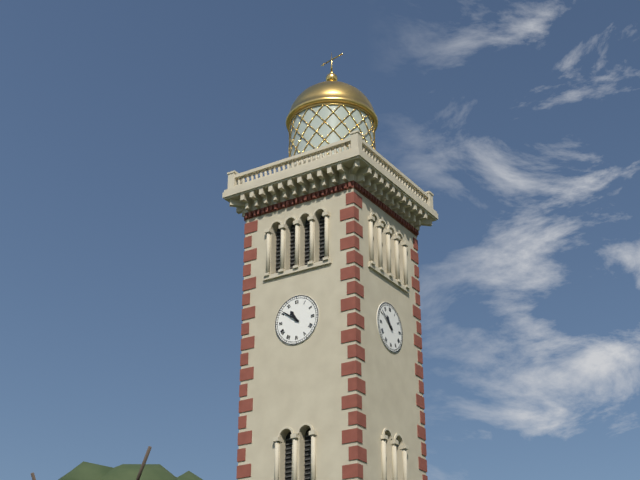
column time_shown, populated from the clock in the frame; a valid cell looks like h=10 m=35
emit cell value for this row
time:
h=10 m=51
